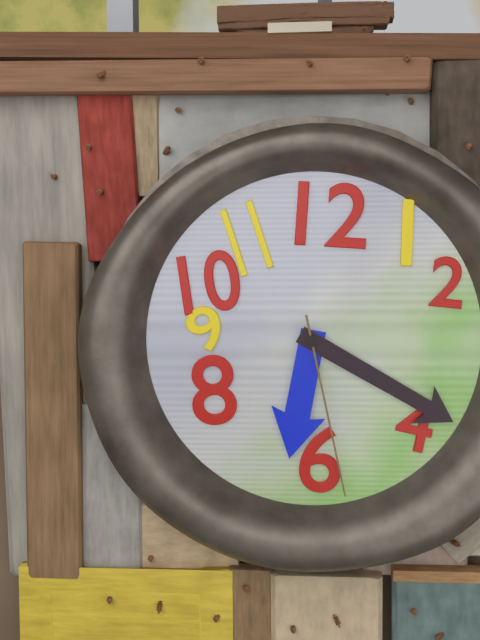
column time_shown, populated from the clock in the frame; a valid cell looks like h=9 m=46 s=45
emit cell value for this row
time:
h=6 m=20 s=28
